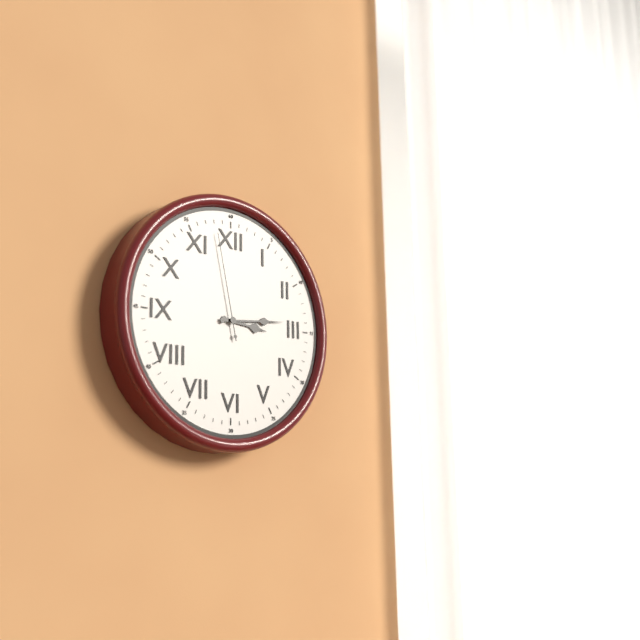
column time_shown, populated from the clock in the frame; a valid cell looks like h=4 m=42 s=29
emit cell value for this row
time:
h=3 m=14 s=58
